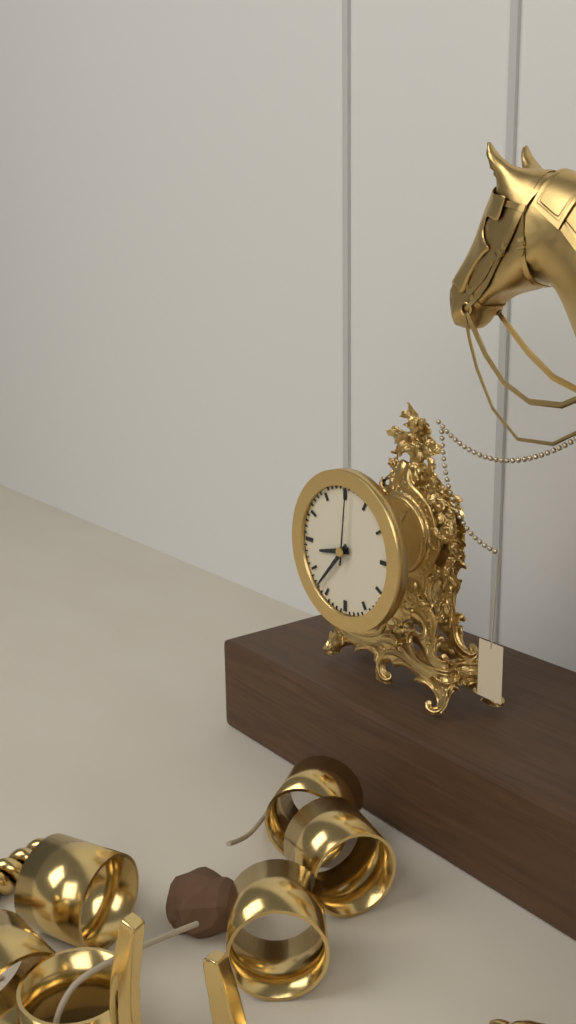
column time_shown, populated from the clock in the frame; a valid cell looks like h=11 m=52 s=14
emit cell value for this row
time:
h=8 m=37 s=1
